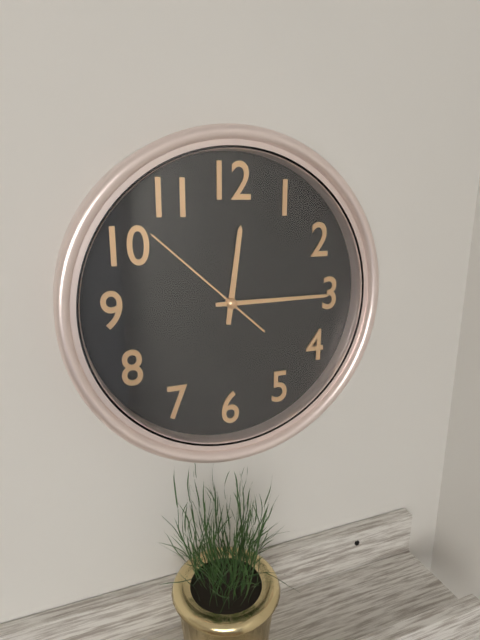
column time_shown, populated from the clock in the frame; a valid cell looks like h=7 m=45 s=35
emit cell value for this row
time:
h=12 m=15 s=52
